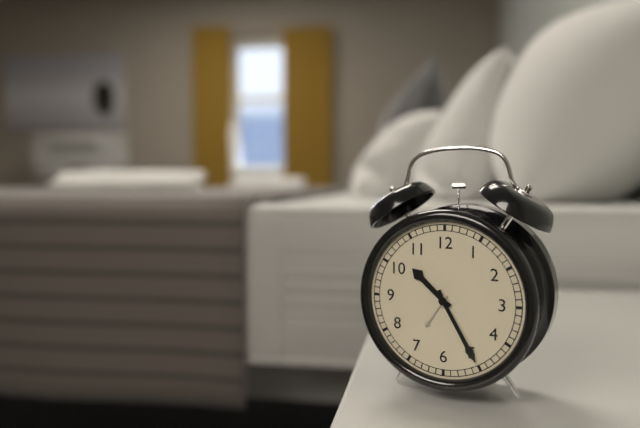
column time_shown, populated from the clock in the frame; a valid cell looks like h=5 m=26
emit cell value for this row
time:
h=10 m=25
